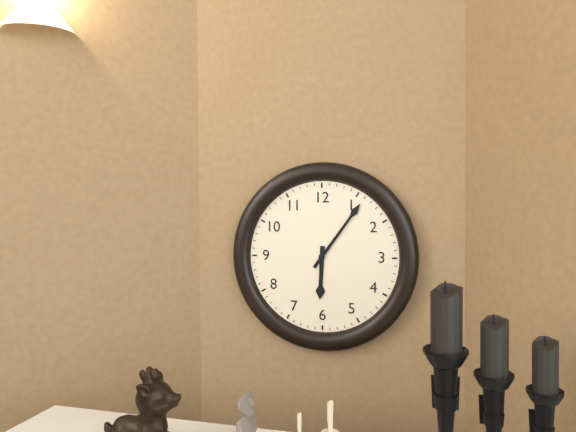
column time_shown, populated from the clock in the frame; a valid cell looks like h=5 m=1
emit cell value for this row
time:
h=6 m=6
